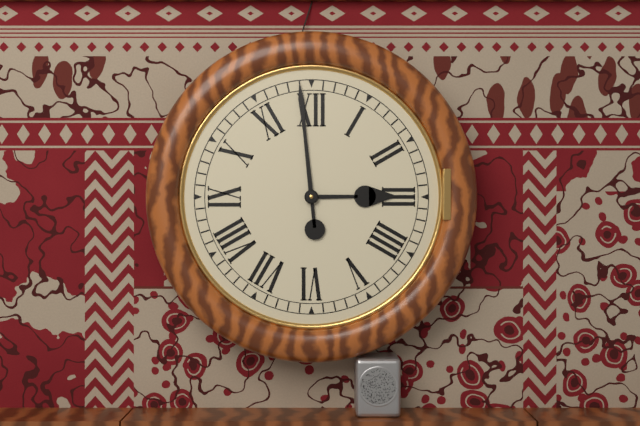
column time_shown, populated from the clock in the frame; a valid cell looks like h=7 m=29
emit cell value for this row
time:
h=2 m=59
